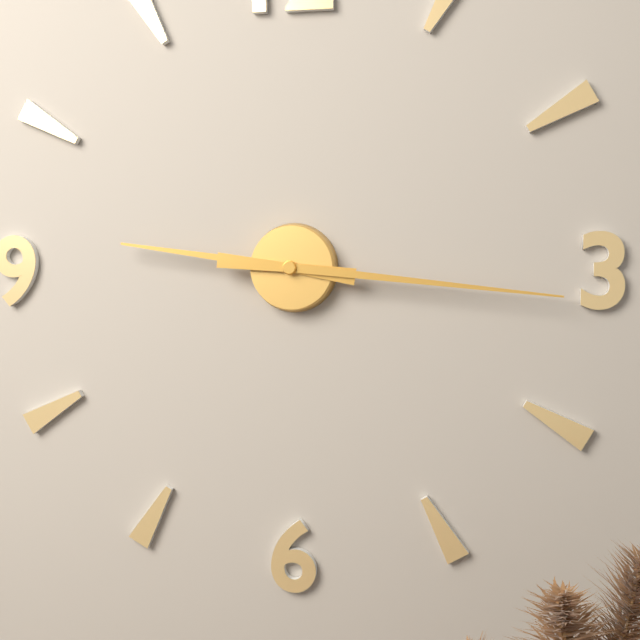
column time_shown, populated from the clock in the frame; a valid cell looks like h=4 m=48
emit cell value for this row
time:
h=9 m=16
